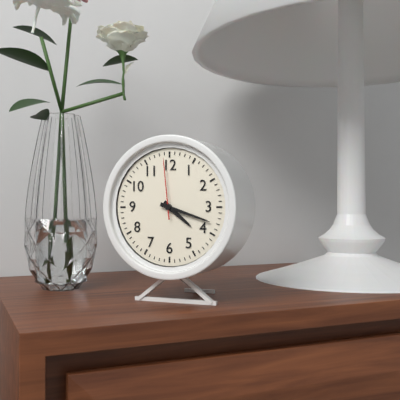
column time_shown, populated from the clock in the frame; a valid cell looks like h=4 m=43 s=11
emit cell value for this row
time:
h=4 m=18 s=59
